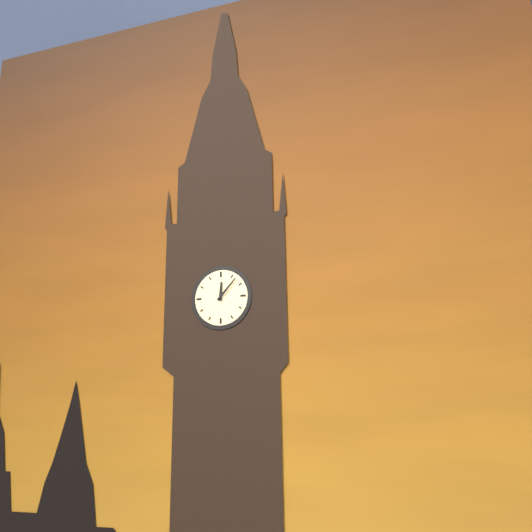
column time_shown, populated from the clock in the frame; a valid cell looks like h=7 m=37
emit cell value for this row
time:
h=12 m=7
